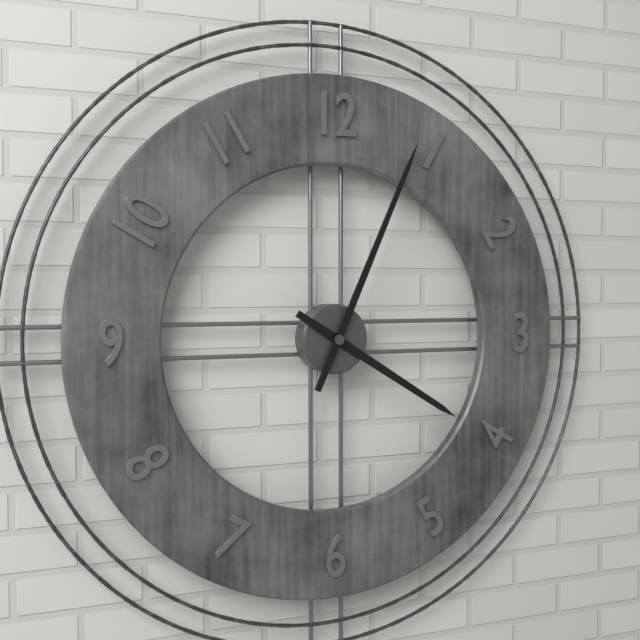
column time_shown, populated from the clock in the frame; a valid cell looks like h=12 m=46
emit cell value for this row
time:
h=4 m=4
